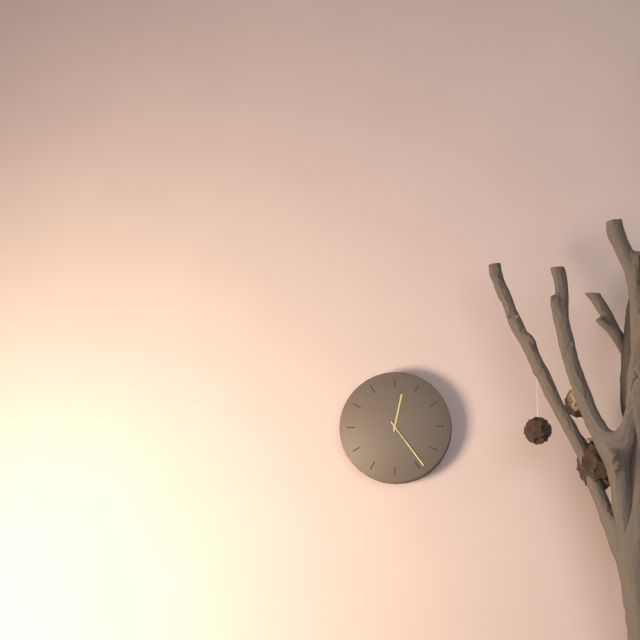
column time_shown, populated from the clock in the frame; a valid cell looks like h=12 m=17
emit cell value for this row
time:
h=12 m=24
